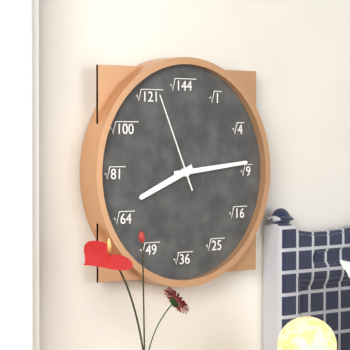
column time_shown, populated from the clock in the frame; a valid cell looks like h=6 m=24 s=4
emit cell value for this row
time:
h=8 m=14 s=56
